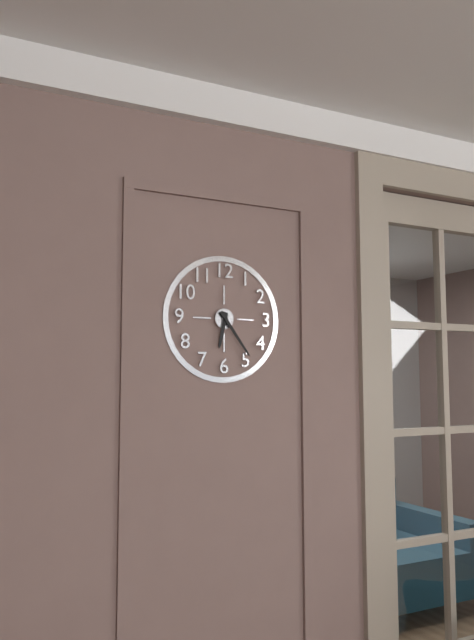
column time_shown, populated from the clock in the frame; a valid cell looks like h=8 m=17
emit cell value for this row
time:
h=6 m=24
